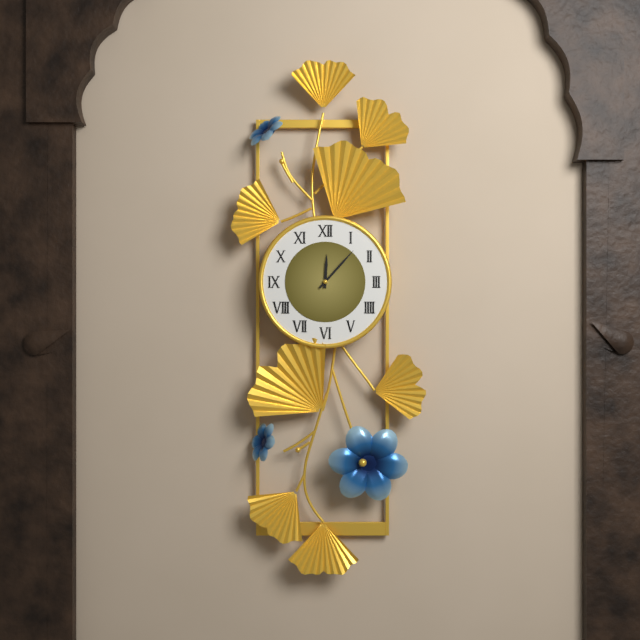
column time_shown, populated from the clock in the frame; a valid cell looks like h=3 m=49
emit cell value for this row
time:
h=12 m=7
